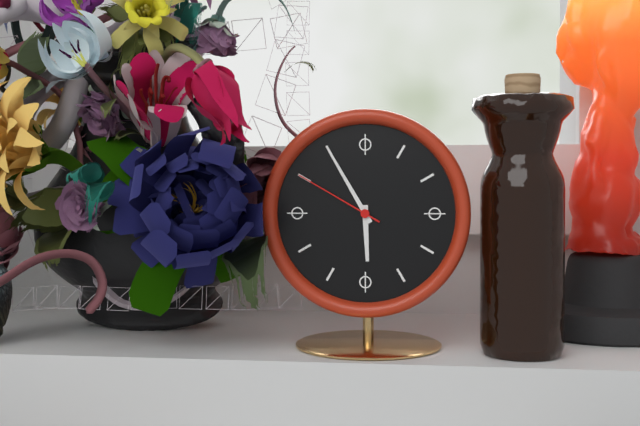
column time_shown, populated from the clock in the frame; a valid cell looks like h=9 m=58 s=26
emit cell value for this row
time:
h=5 m=55 s=50
